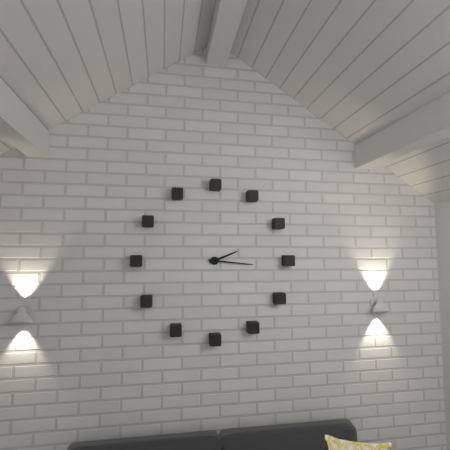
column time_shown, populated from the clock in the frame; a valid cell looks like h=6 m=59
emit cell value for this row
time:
h=2 m=16
